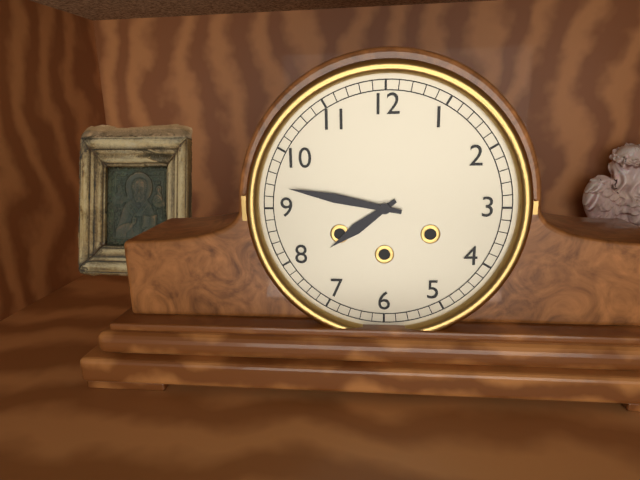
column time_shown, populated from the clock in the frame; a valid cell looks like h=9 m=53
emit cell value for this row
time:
h=7 m=47
